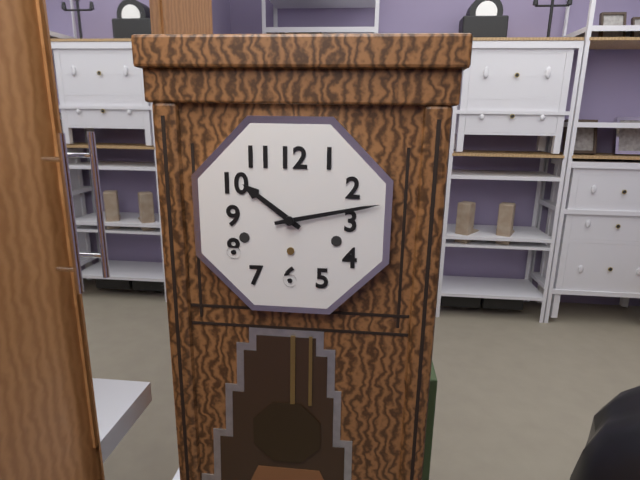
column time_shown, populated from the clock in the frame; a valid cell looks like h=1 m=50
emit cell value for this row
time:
h=10 m=13
